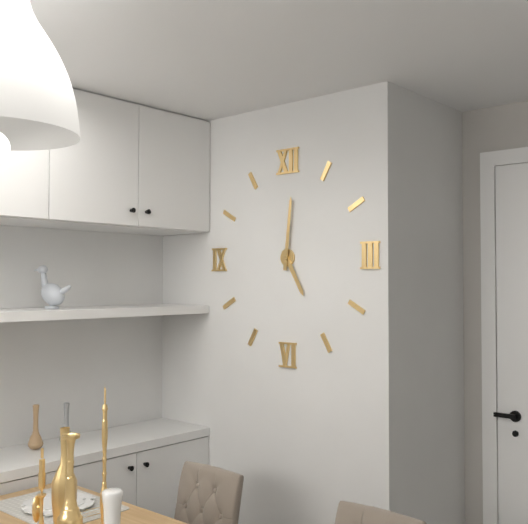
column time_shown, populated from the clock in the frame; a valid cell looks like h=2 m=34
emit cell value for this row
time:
h=5 m=1
